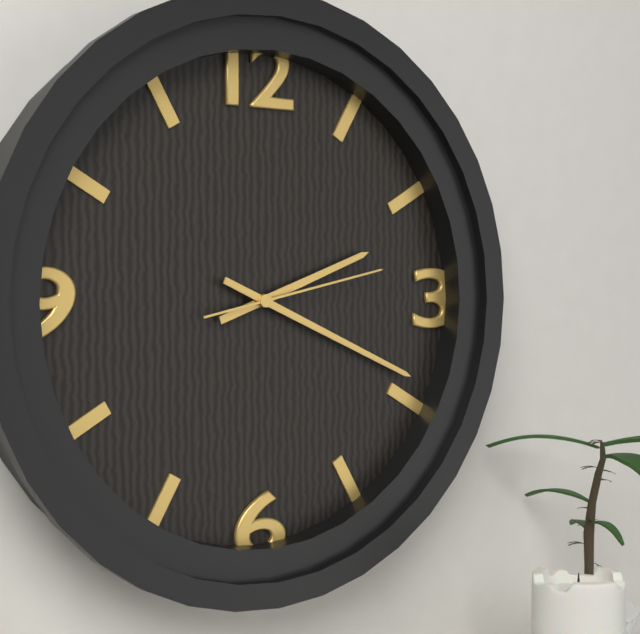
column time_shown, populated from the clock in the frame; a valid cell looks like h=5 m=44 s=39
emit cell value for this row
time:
h=2 m=19 s=13
